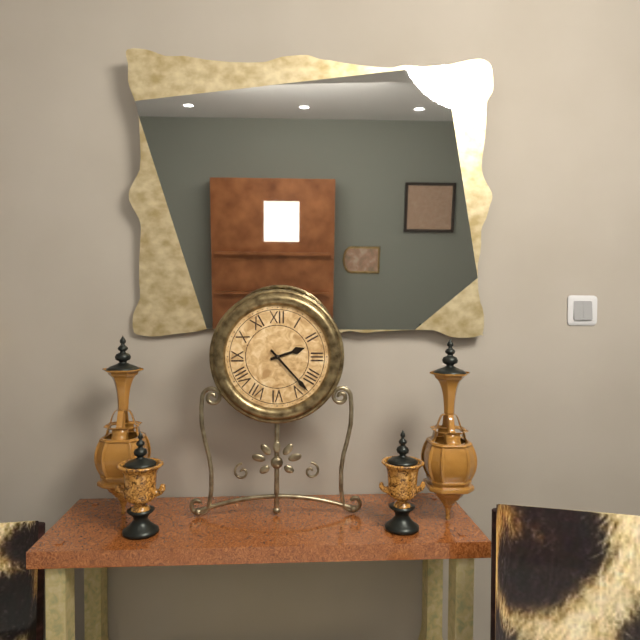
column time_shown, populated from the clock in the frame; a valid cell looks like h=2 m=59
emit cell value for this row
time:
h=2 m=23
